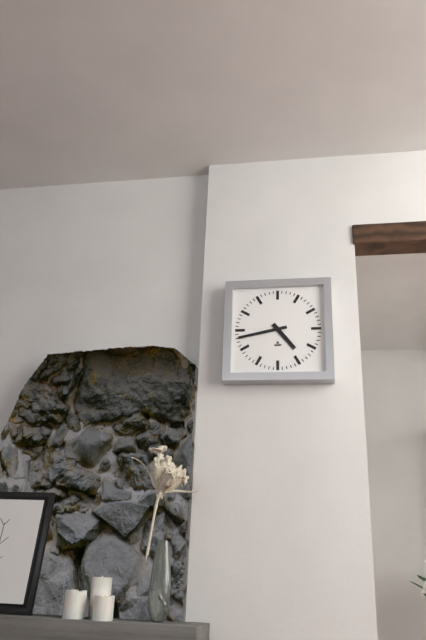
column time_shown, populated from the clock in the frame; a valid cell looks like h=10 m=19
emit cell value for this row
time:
h=4 m=43
